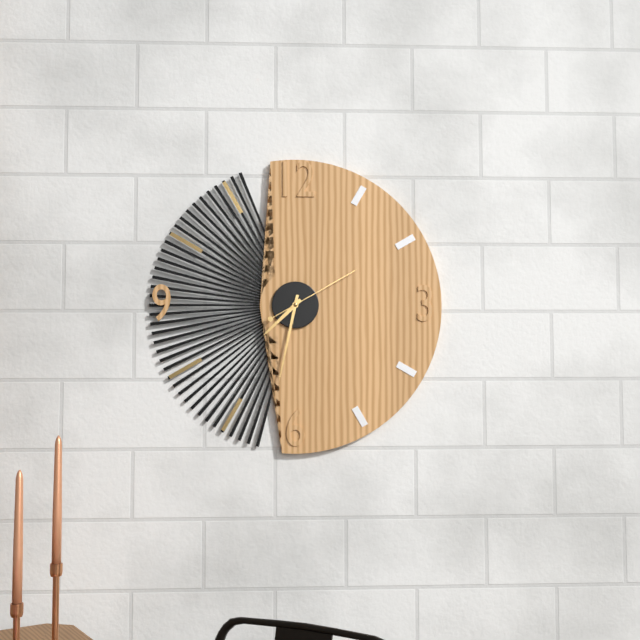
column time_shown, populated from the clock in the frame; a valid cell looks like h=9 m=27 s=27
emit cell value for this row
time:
h=7 m=32 s=10
